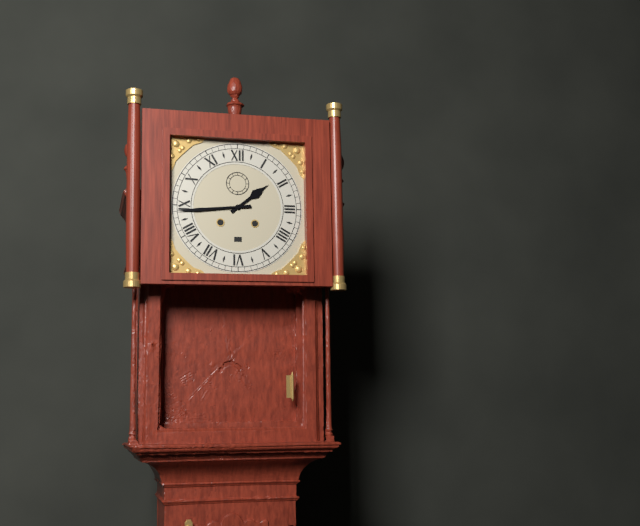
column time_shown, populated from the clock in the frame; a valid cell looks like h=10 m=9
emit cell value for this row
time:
h=1 m=44
